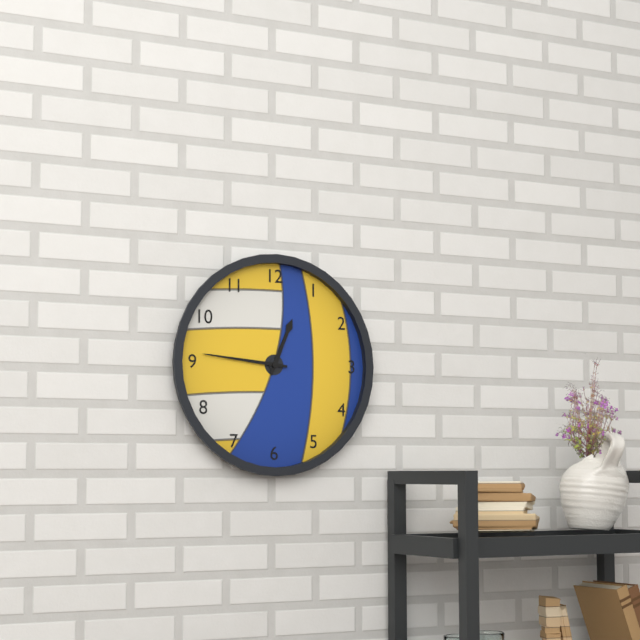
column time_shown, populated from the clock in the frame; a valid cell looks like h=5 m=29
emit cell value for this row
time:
h=12 m=46
